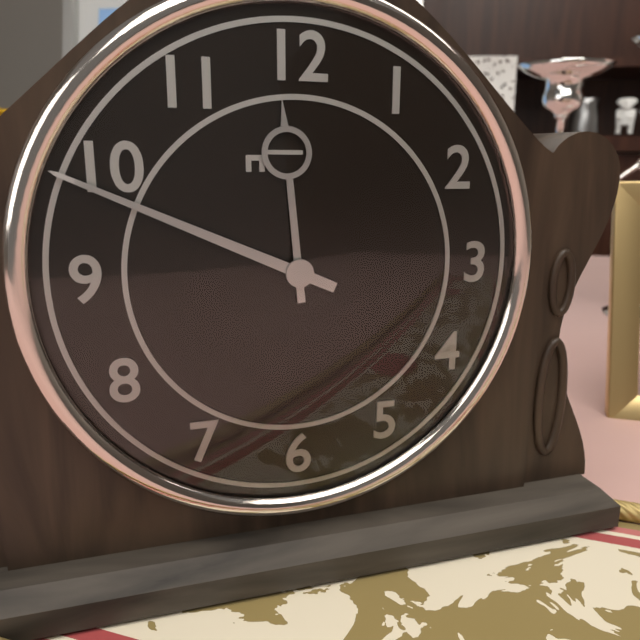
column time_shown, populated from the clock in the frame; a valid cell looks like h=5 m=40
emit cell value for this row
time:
h=11 m=49
